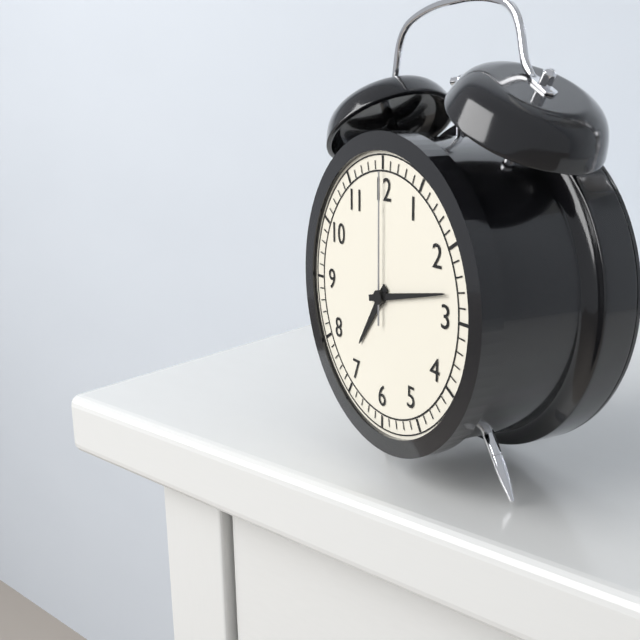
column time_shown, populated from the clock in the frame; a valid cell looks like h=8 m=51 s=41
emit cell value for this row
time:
h=7 m=13 s=0
